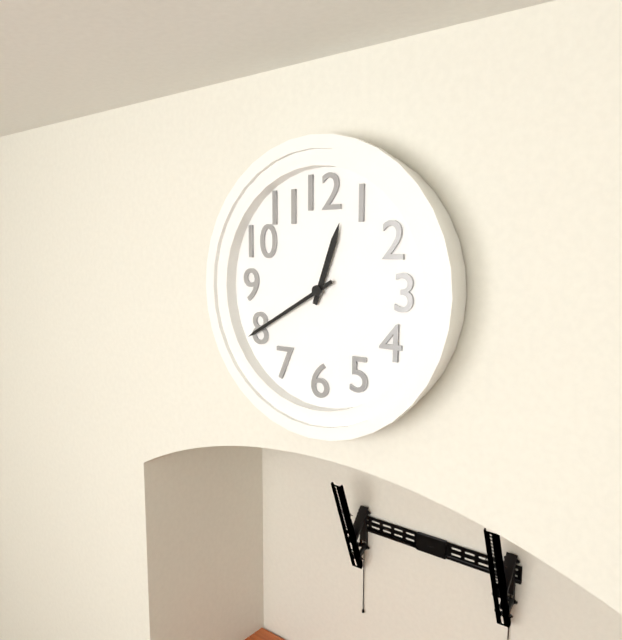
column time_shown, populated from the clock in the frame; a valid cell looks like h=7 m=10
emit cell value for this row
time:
h=12 m=40
